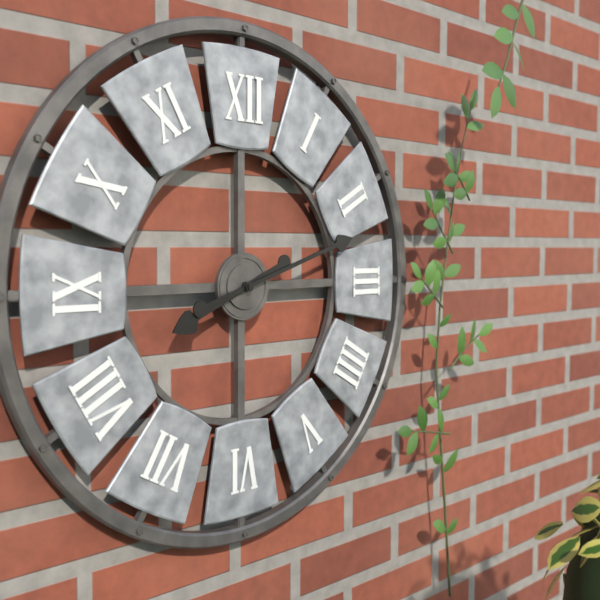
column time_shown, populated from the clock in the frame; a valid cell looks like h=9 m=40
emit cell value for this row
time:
h=8 m=12
